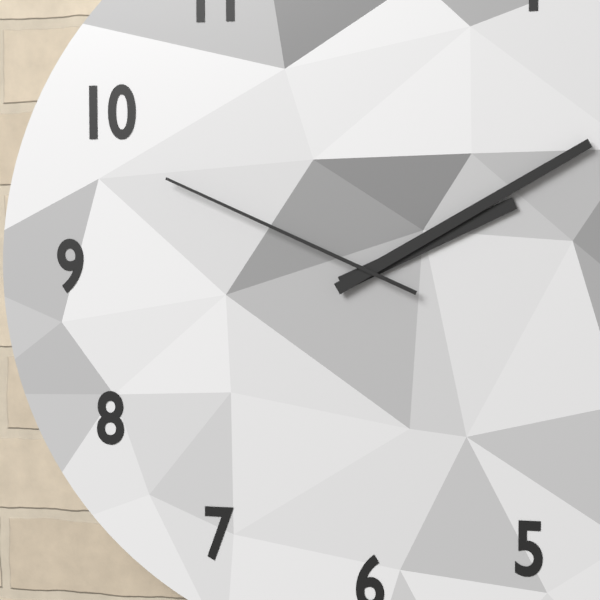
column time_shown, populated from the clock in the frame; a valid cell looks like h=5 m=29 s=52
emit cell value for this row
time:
h=2 m=10 s=49
